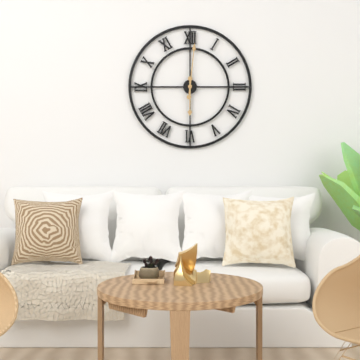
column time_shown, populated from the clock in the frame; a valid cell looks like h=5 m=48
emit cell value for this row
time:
h=6 m=1
